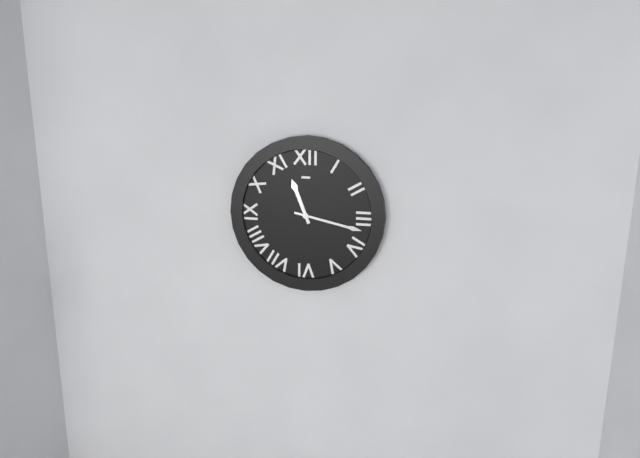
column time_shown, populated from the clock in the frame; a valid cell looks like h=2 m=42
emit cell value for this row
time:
h=11 m=17
